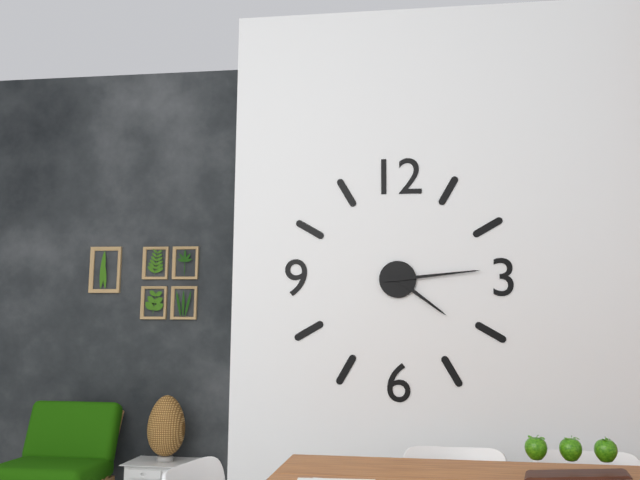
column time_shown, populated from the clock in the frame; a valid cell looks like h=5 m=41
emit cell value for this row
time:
h=4 m=14
